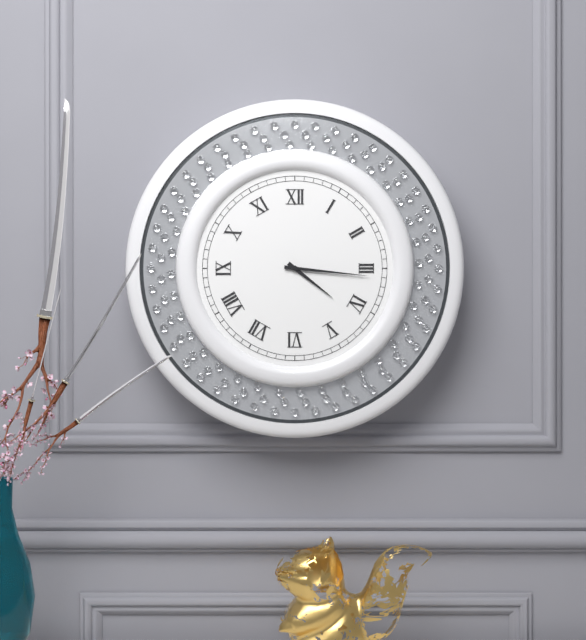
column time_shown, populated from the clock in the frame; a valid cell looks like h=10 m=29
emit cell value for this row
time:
h=4 m=16
